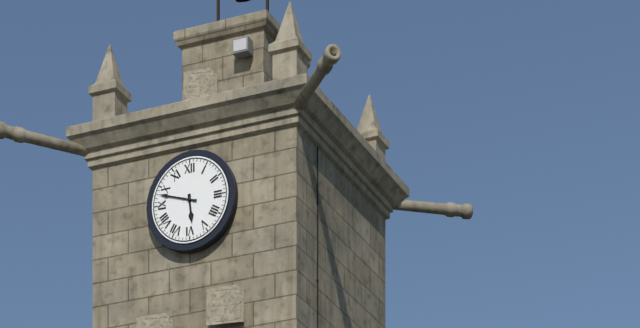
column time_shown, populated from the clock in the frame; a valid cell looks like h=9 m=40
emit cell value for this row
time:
h=5 m=48
